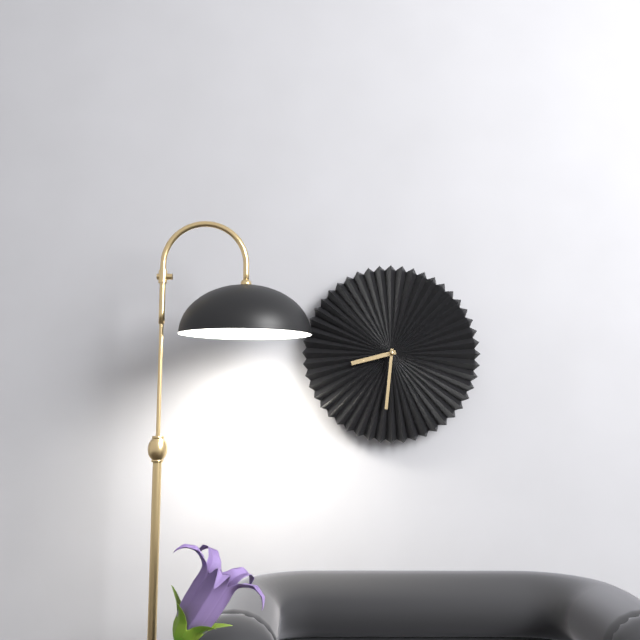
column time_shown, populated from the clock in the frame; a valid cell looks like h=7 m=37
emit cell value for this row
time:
h=8 m=31
